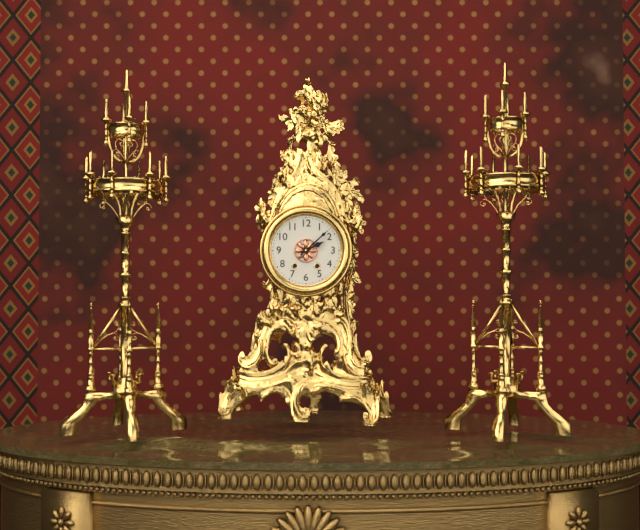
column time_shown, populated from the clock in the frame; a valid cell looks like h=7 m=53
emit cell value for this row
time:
h=2 m=8
